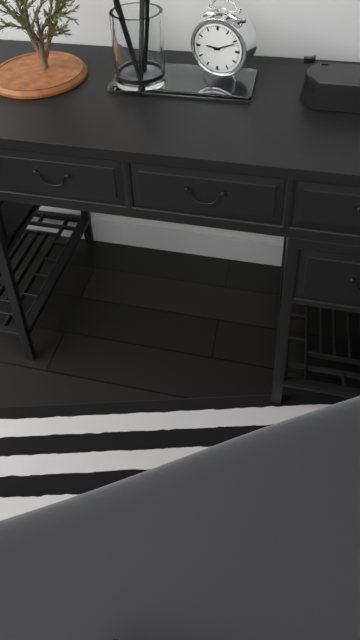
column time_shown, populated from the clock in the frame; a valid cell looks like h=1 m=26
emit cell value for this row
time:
h=9 m=11
